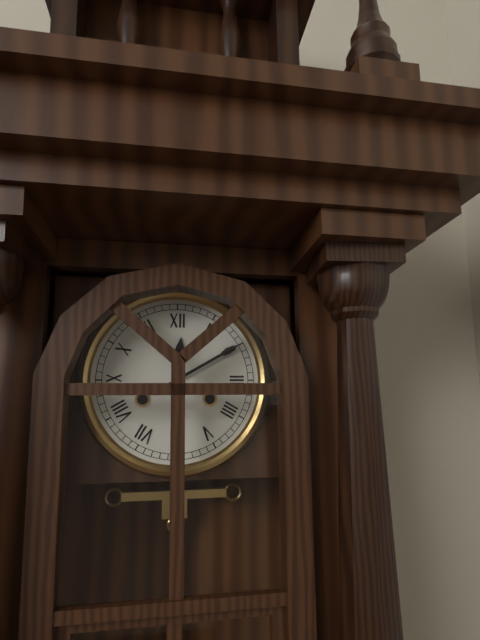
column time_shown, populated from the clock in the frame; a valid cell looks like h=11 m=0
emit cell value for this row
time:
h=12 m=10
